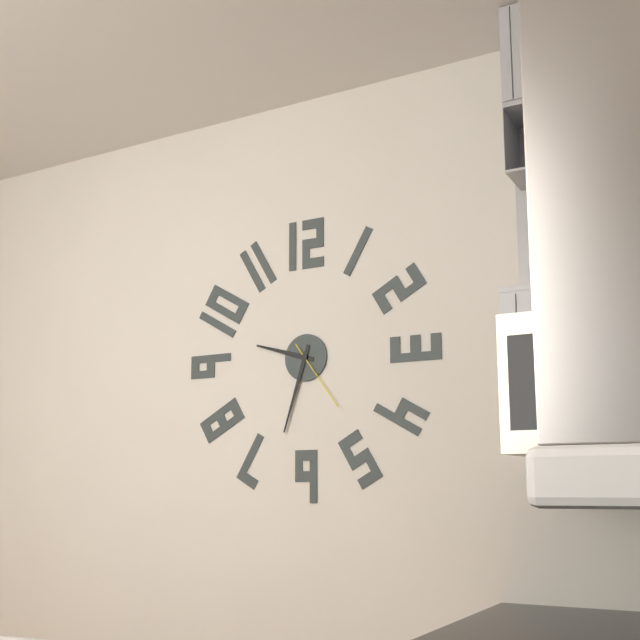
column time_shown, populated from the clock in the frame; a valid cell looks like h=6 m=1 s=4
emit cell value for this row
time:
h=9 m=33 s=24
